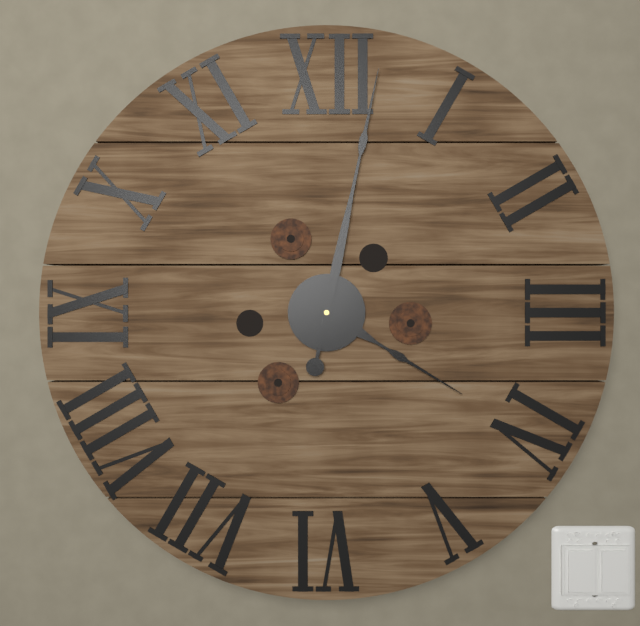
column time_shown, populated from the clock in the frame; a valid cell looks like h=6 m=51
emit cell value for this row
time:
h=4 m=2
